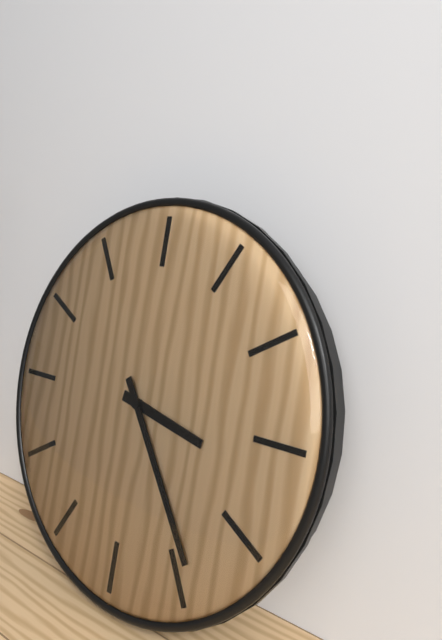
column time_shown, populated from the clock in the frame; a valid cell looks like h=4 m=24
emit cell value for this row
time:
h=3 m=24
